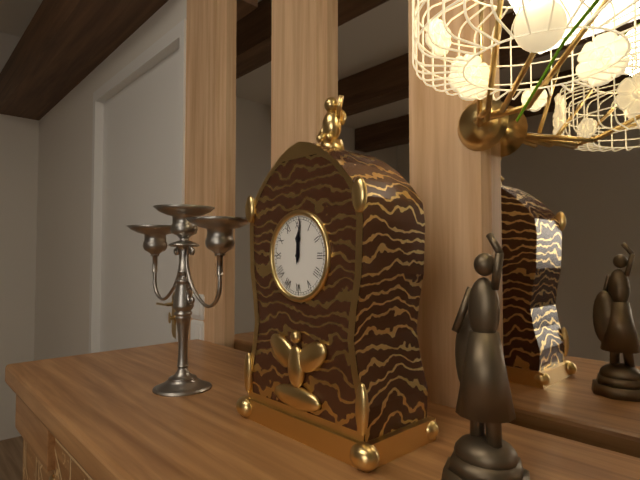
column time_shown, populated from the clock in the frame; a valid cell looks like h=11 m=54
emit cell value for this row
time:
h=12 m=1
